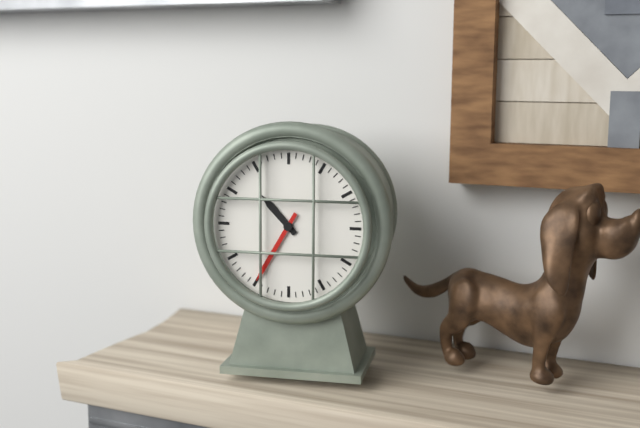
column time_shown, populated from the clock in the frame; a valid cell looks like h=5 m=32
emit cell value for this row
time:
h=10 m=35
